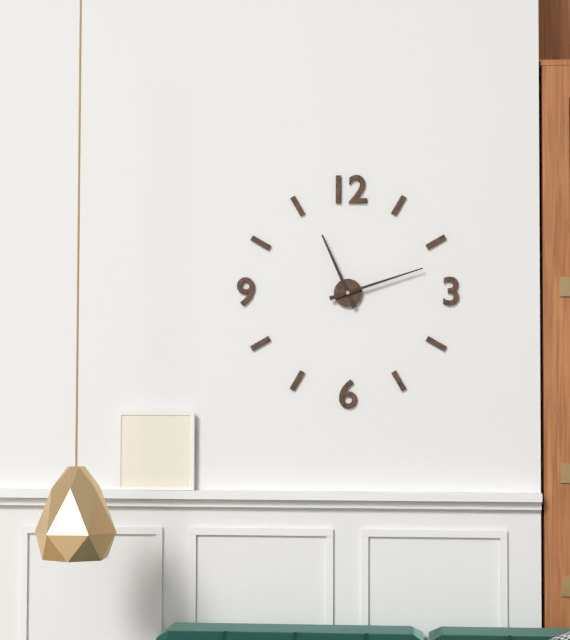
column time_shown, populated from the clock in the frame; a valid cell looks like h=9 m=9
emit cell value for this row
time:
h=11 m=12
